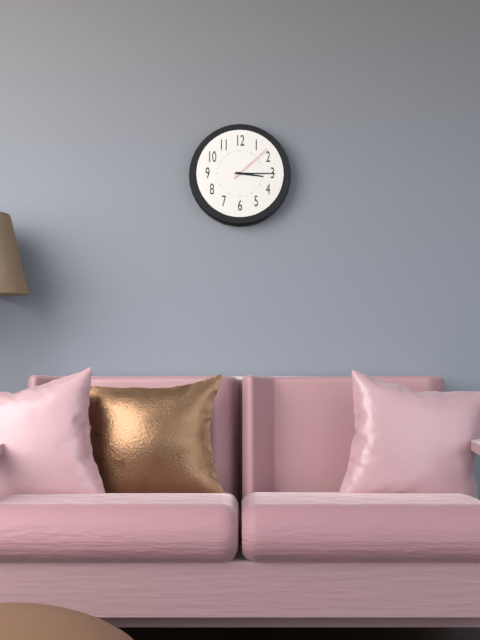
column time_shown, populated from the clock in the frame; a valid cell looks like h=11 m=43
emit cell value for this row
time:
h=3 m=15
